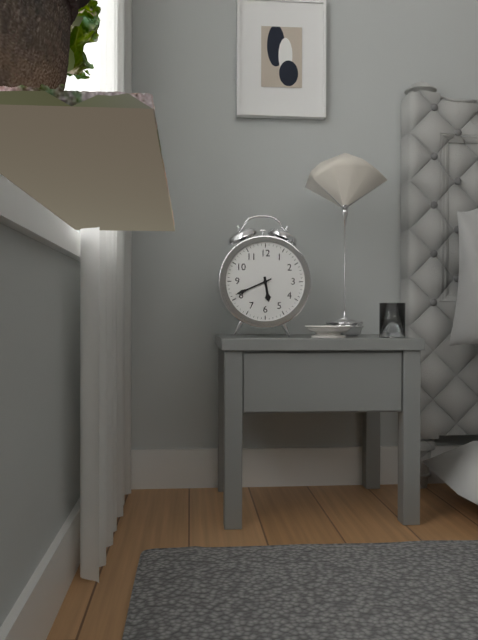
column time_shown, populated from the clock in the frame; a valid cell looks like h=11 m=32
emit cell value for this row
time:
h=5 m=41
